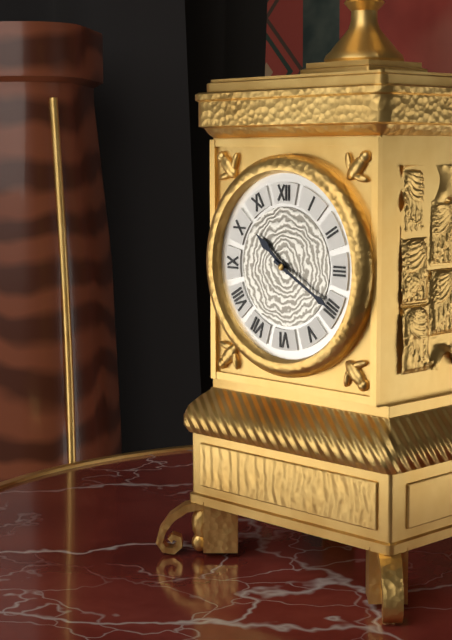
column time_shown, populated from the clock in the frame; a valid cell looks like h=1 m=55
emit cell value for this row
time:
h=10 m=20
